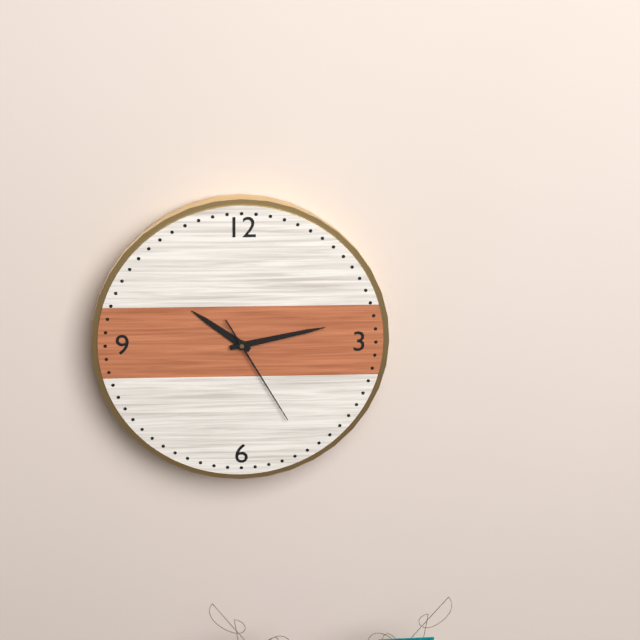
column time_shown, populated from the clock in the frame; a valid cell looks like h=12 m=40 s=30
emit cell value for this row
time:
h=10 m=13 s=25
